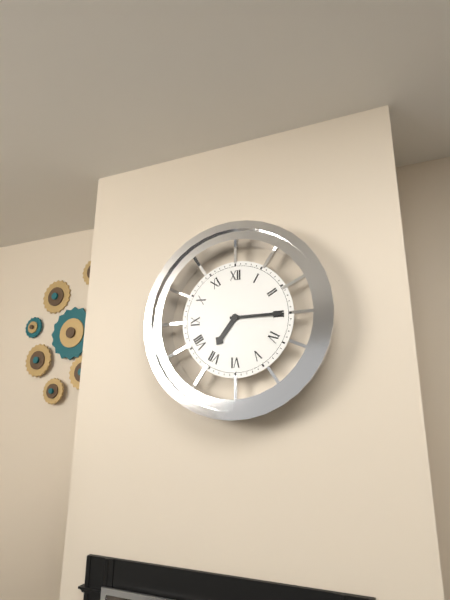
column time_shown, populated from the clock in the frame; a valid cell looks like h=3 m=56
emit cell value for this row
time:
h=7 m=15
